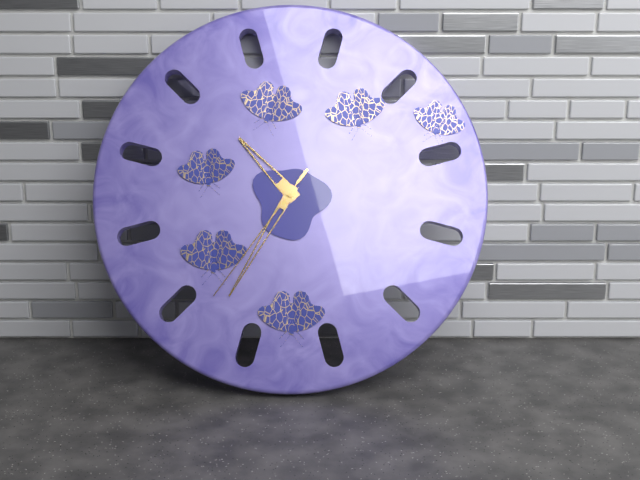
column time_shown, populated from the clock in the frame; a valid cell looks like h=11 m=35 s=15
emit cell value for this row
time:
h=10 m=35 s=36
